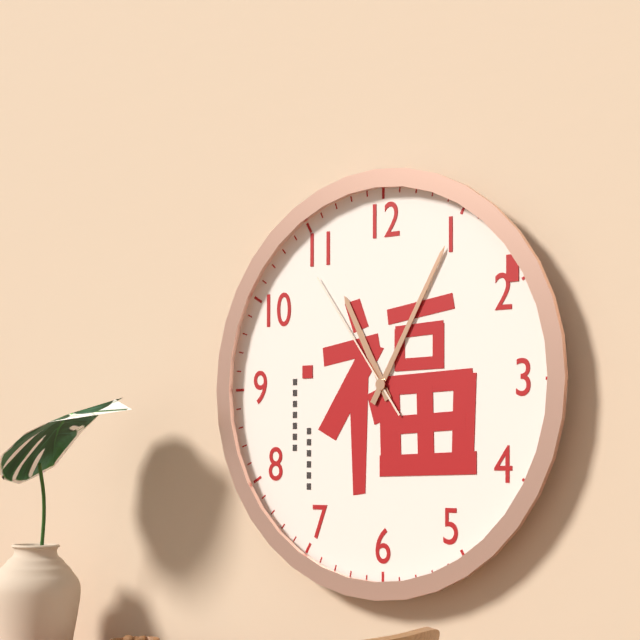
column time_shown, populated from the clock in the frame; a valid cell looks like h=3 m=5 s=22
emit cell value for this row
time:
h=11 m=5 s=54
